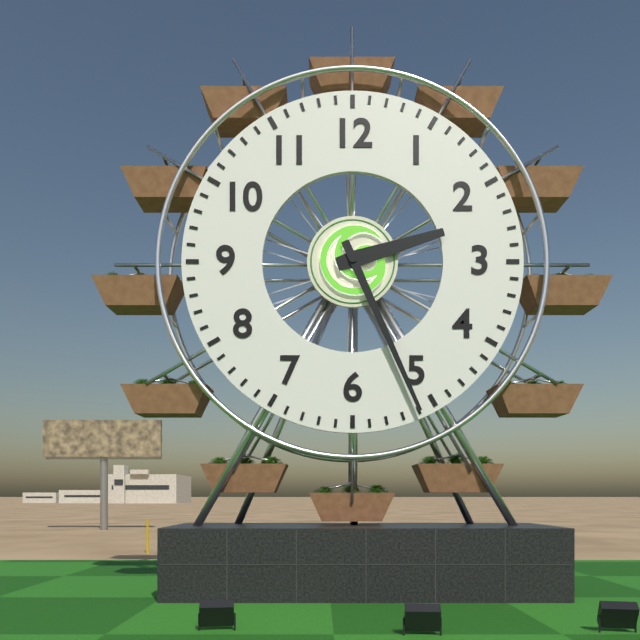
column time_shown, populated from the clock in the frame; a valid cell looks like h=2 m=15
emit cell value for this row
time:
h=2 m=26
